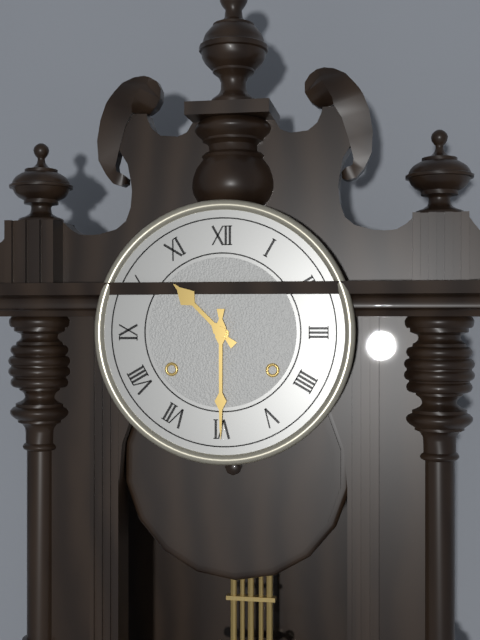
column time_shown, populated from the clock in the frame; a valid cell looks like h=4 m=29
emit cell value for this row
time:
h=10 m=30
